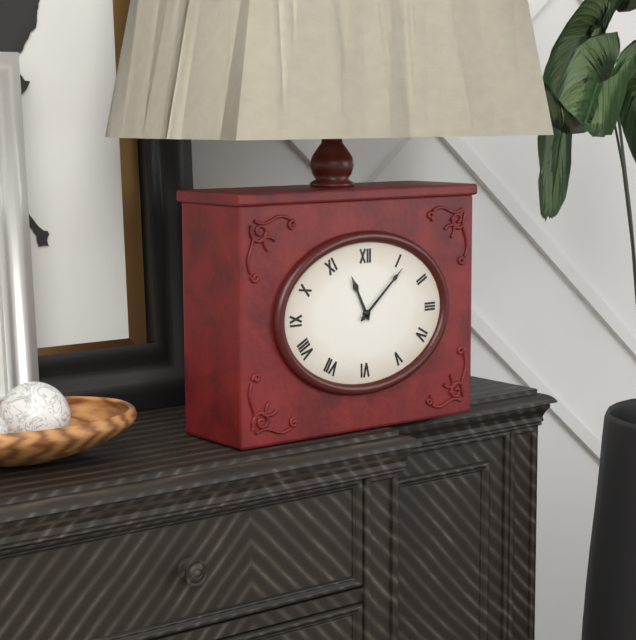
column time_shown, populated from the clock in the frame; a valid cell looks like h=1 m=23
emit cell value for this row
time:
h=11 m=8
